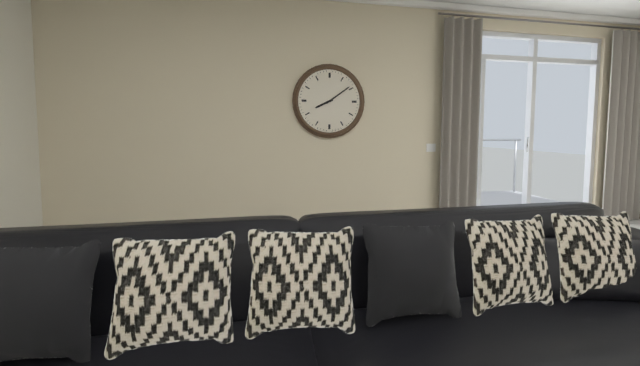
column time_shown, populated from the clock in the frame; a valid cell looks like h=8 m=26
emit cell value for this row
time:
h=8 m=9
